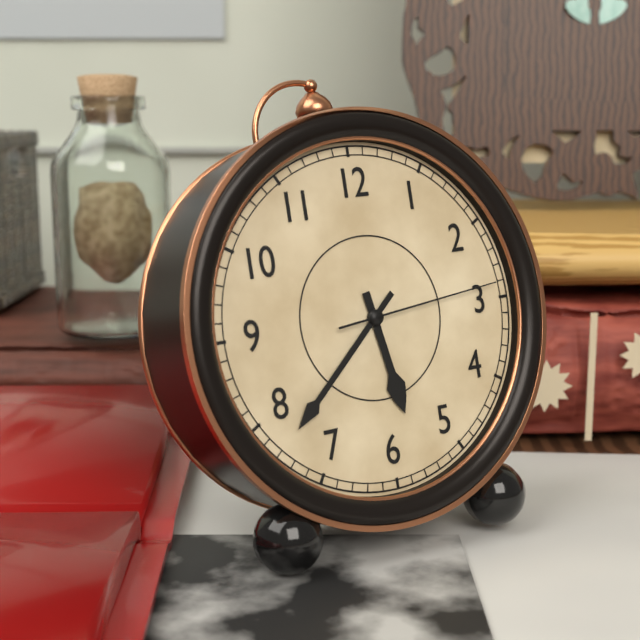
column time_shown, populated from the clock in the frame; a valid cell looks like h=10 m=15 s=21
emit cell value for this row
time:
h=5 m=38 s=14
